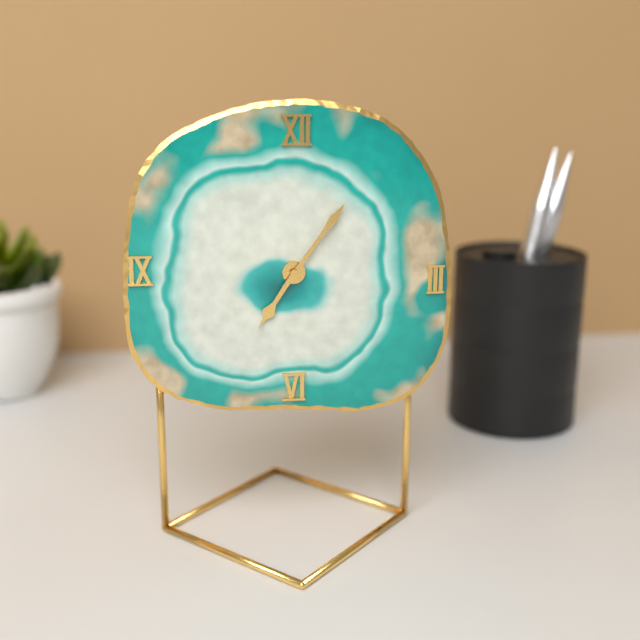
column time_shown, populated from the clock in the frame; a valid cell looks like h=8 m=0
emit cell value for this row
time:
h=7 m=6
